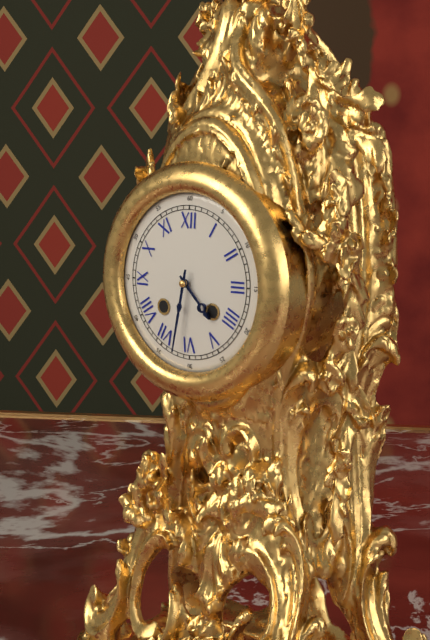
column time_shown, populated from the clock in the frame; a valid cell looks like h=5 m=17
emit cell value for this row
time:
h=4 m=32
